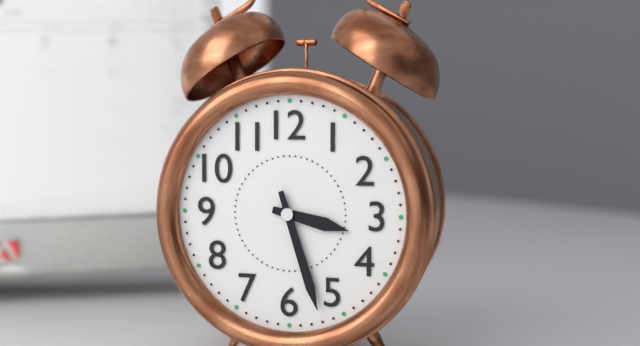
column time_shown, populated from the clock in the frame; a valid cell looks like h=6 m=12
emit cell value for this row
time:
h=3 m=27
